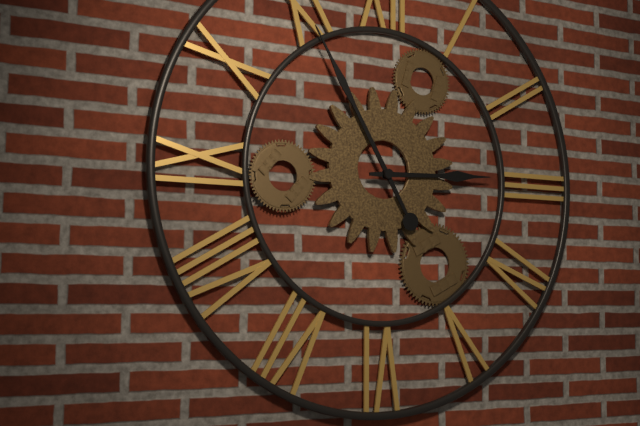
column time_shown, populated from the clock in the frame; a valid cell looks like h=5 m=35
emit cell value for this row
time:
h=2 m=55
